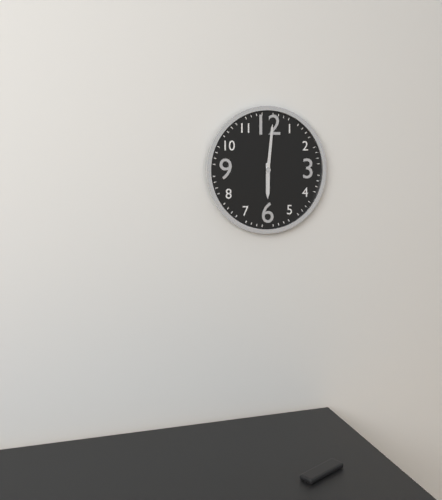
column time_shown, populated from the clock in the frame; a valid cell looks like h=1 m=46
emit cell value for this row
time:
h=6 m=1
